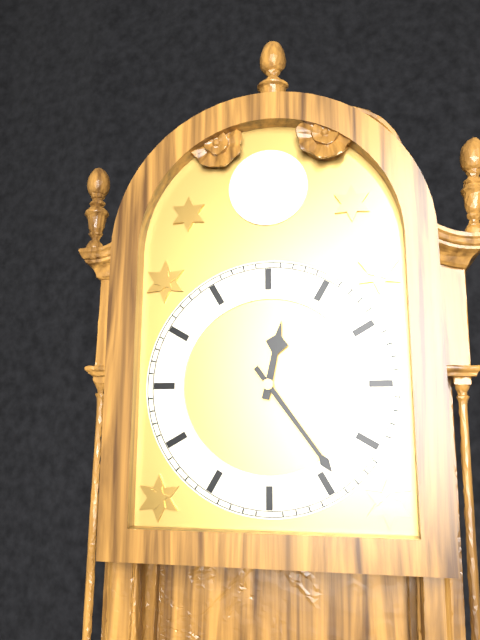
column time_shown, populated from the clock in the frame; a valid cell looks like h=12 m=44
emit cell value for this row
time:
h=12 m=24
